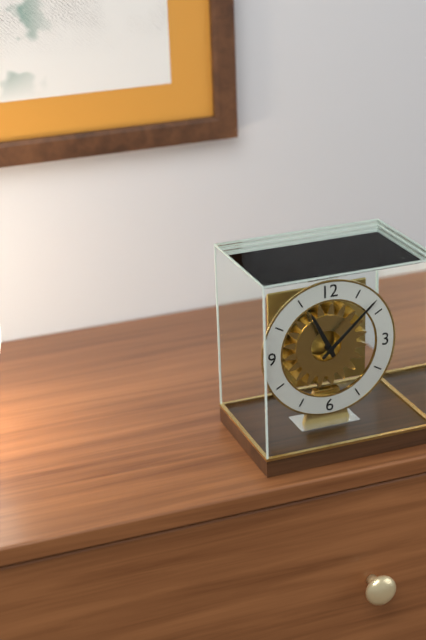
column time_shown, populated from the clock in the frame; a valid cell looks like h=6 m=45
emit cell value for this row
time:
h=11 m=8
